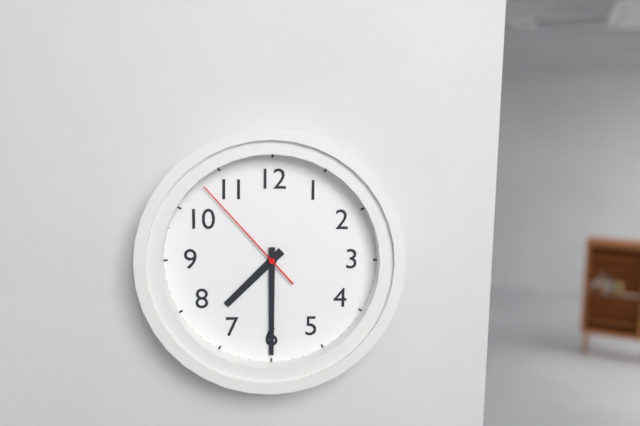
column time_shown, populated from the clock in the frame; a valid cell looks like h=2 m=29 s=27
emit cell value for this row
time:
h=7 m=30 s=53
